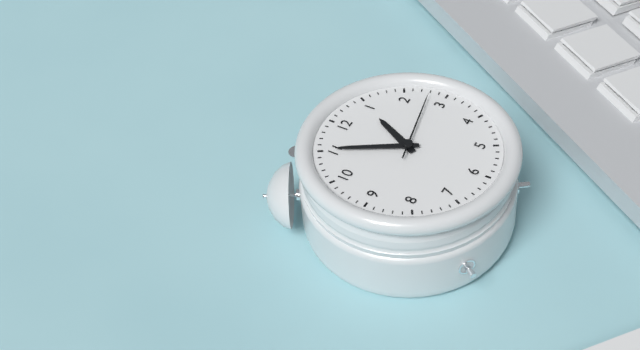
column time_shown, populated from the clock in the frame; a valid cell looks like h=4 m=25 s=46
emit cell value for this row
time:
h=12 m=55 s=13
